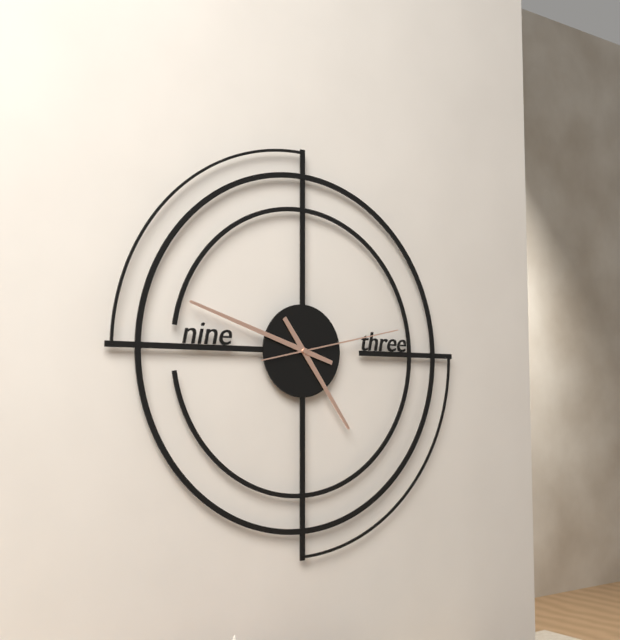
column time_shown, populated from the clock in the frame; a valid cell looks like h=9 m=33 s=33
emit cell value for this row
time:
h=4 m=48 s=13
